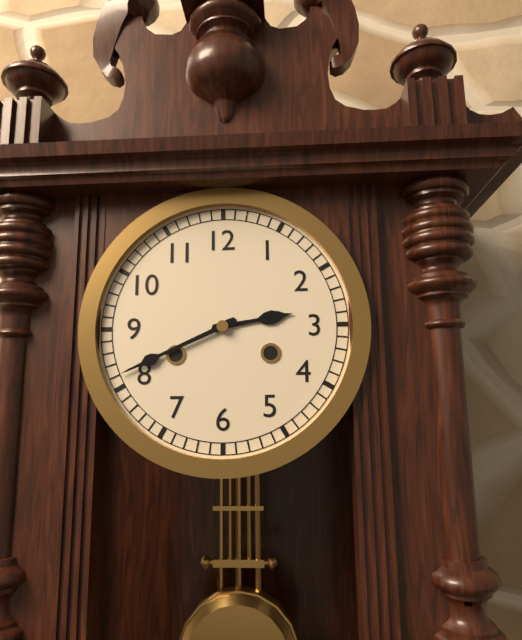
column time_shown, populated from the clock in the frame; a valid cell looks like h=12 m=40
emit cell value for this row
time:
h=2 m=41
